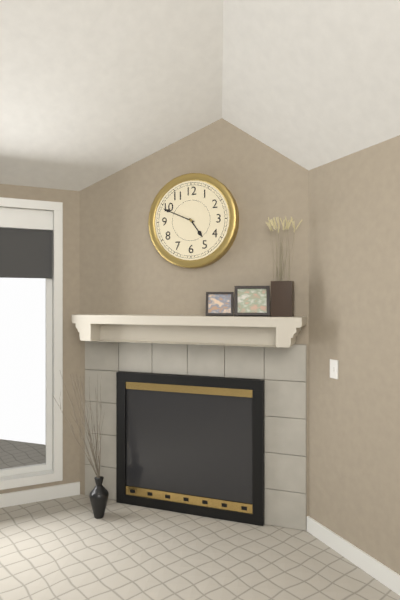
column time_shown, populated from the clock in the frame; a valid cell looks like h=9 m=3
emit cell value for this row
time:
h=4 m=49
